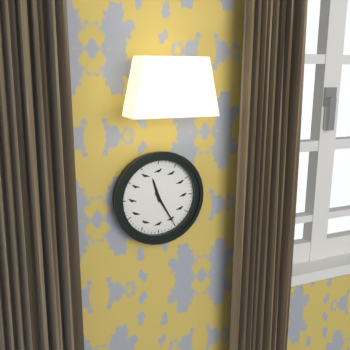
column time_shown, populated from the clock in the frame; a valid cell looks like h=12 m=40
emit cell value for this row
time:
h=11 m=25
